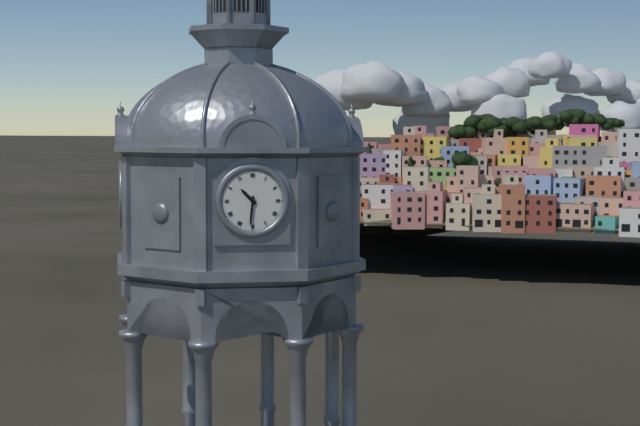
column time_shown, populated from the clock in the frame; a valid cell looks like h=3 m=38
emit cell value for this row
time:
h=10 m=31
